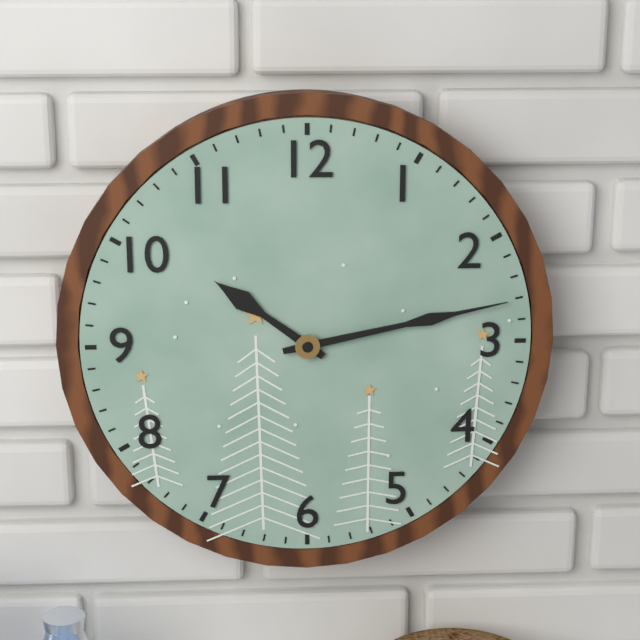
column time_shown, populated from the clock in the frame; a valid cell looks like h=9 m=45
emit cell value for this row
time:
h=10 m=13
